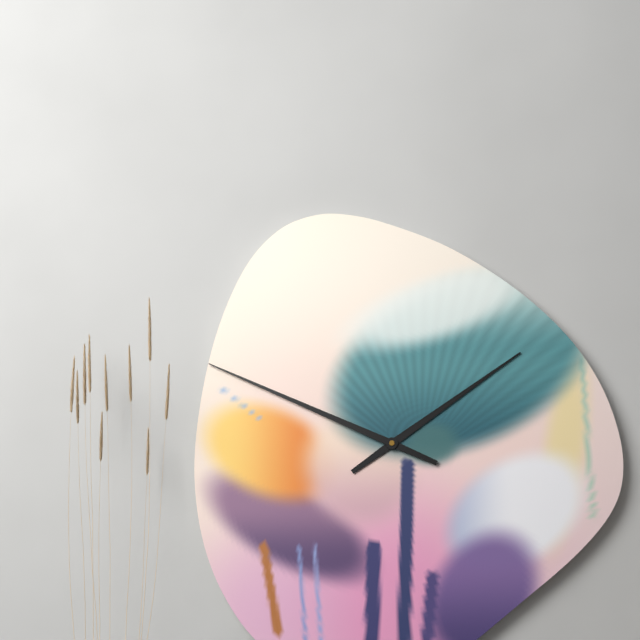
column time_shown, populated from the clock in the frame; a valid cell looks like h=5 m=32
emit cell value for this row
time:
h=1 m=49
